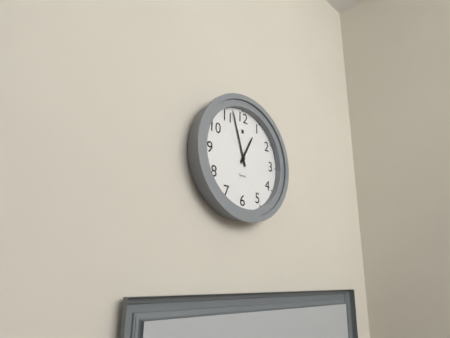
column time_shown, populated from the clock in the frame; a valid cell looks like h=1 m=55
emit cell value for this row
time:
h=12 m=57
